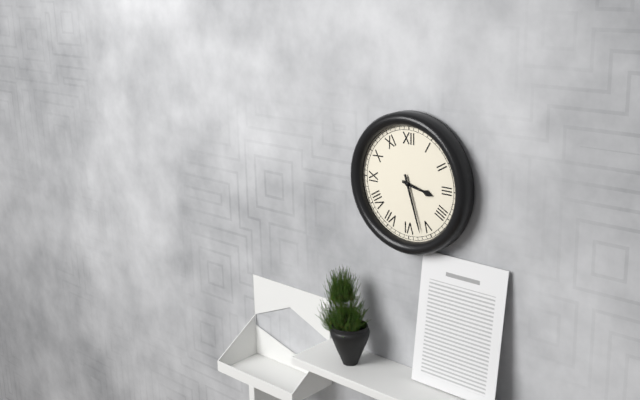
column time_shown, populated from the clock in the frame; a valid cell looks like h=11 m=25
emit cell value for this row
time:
h=3 m=27
